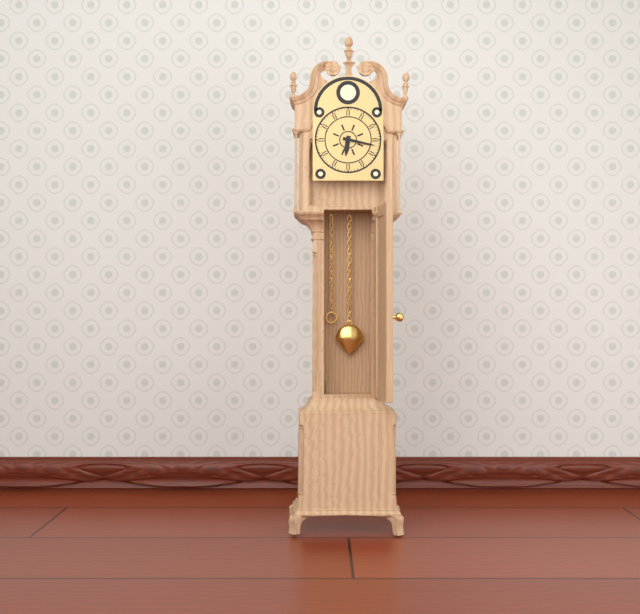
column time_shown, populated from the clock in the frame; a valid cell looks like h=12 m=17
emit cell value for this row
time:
h=6 m=17
